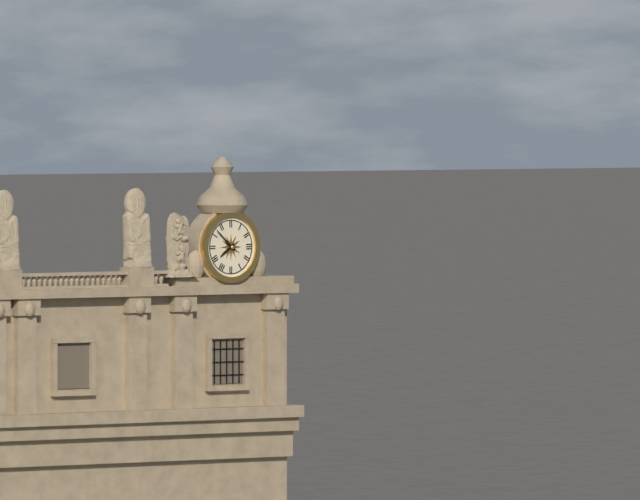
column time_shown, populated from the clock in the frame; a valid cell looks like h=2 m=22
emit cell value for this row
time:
h=7 m=52
